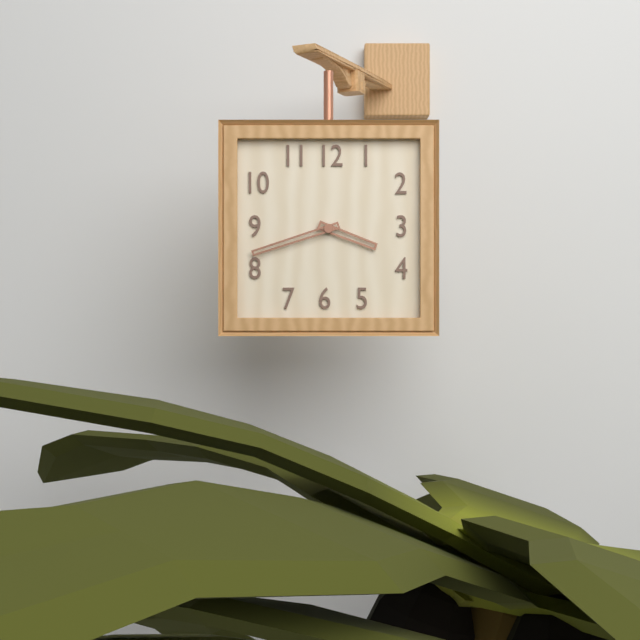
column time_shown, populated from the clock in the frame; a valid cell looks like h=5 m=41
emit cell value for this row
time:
h=3 m=42
